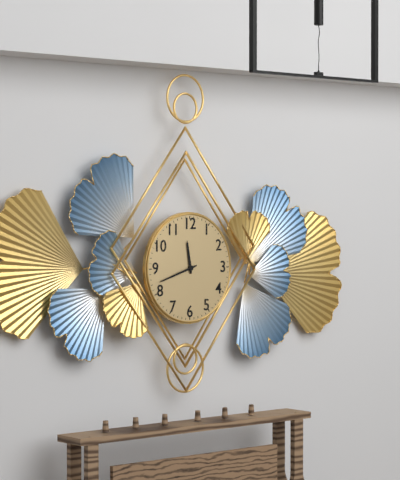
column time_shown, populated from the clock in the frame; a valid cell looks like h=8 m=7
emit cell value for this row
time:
h=11 m=42
